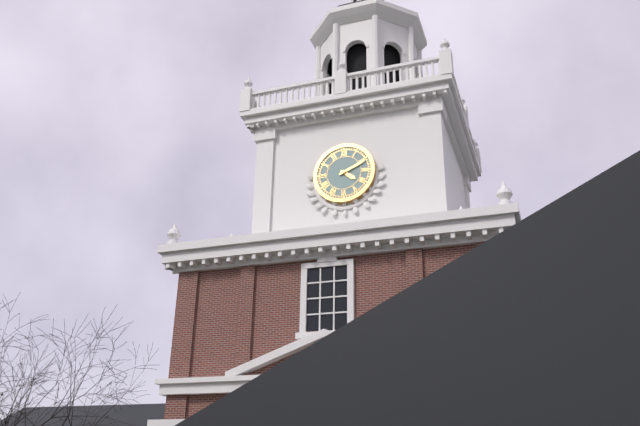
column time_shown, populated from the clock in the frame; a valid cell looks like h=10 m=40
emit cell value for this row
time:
h=4 m=11
